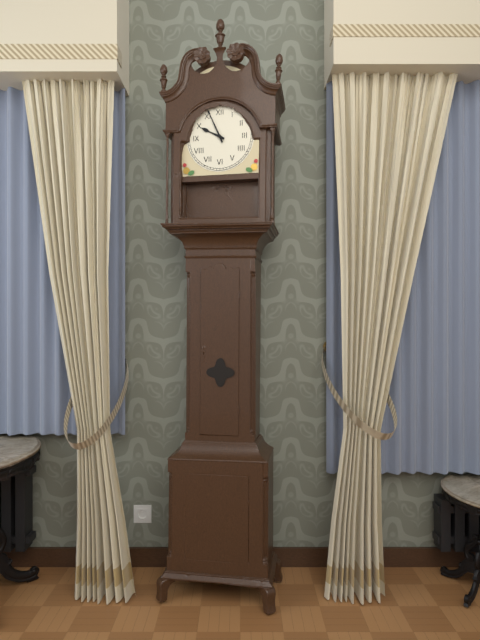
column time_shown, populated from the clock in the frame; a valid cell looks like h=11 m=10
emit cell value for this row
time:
h=9 m=56
